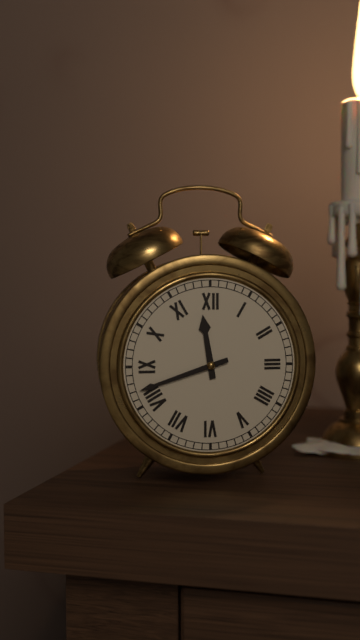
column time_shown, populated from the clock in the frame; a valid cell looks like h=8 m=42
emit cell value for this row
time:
h=11 m=42
